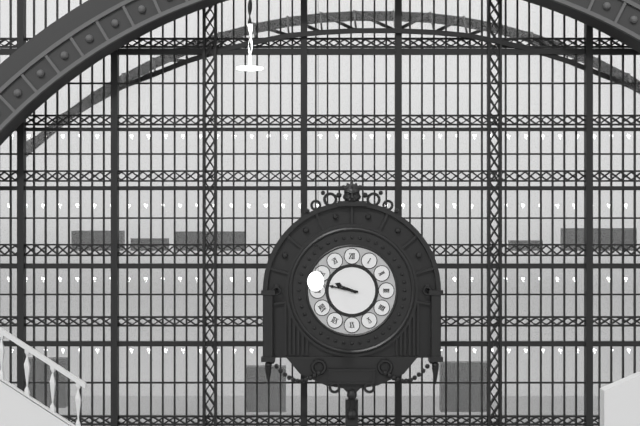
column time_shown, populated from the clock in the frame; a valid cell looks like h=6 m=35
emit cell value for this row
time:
h=9 m=47
